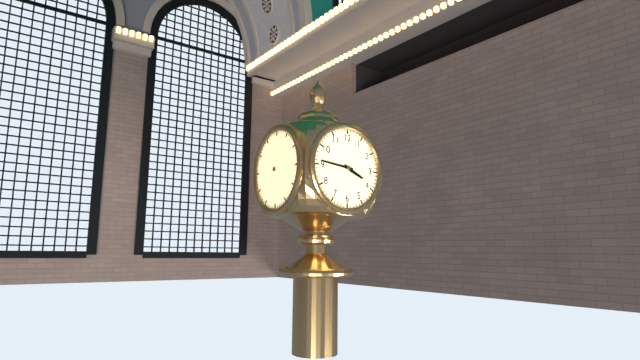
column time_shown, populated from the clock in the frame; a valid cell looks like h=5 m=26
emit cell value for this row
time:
h=3 m=46
